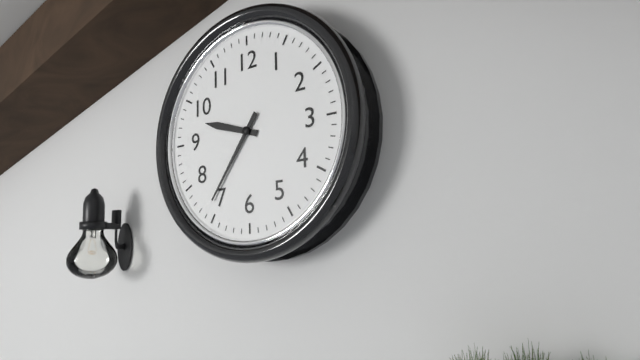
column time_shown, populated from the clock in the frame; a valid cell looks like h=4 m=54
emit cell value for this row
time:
h=9 m=36
